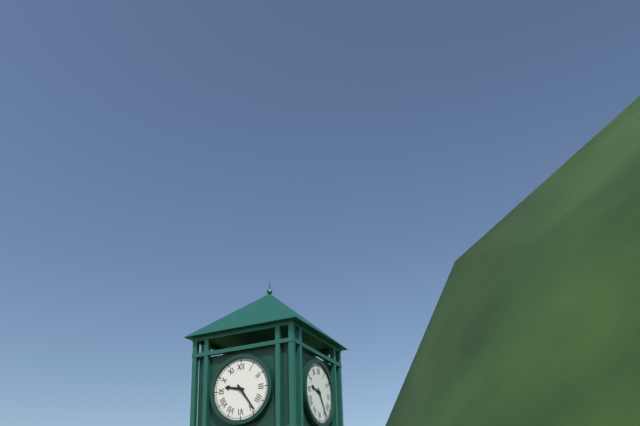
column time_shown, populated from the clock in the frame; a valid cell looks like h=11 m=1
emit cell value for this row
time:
h=9 m=24
